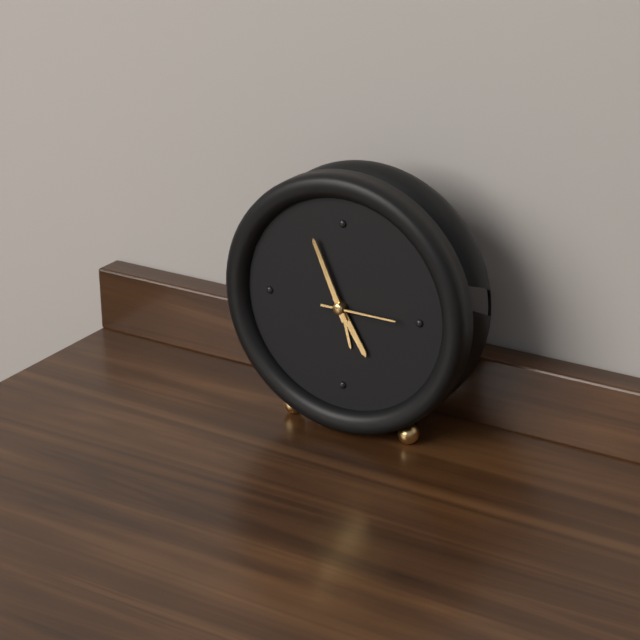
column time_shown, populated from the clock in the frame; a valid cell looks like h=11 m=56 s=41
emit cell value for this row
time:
h=4 m=56 s=15
